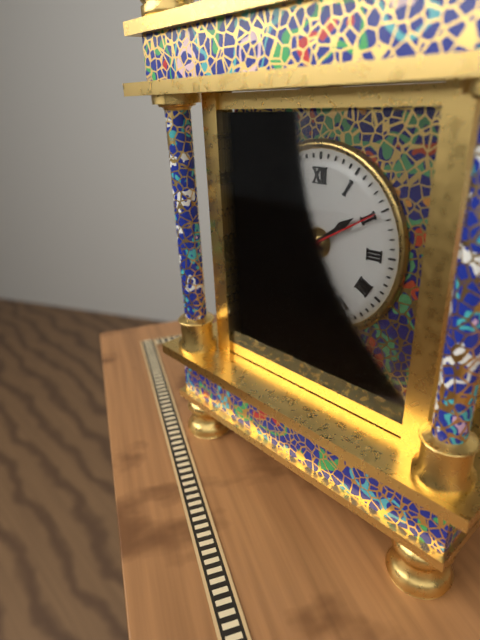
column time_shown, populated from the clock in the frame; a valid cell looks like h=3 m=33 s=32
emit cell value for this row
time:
h=1 m=48 s=10
